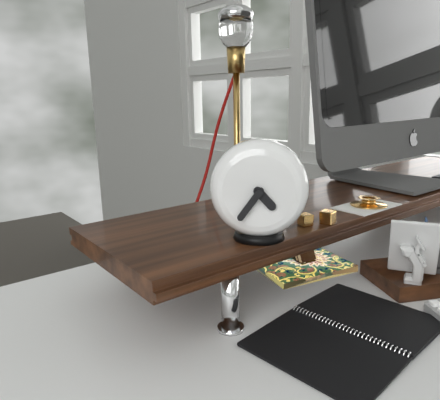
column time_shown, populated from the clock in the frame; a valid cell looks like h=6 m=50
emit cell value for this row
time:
h=4 m=36
